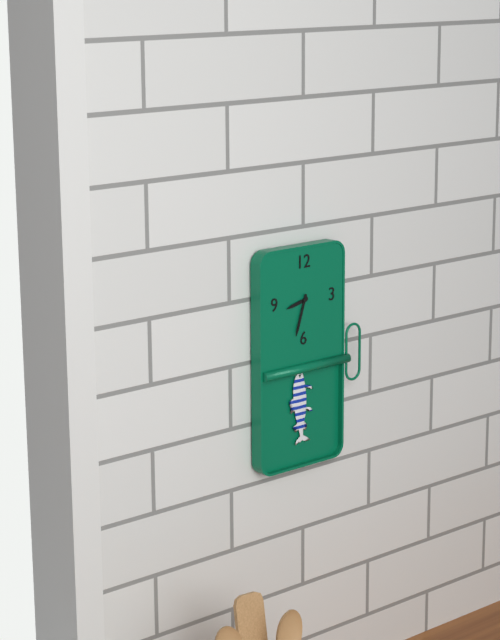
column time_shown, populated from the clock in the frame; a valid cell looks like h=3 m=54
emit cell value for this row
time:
h=8 m=33
